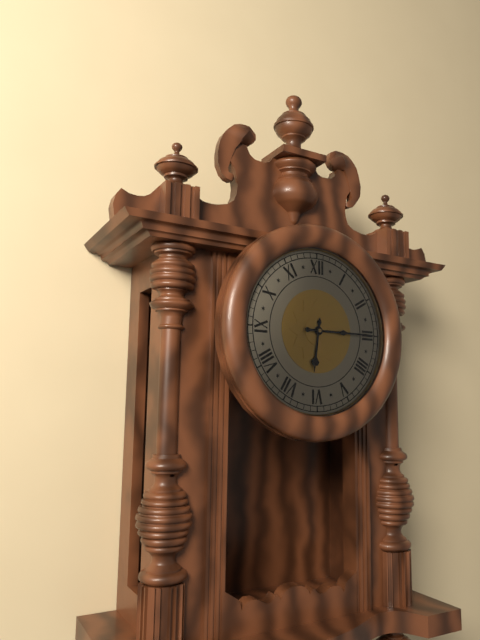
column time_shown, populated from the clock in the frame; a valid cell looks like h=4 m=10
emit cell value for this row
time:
h=6 m=15
